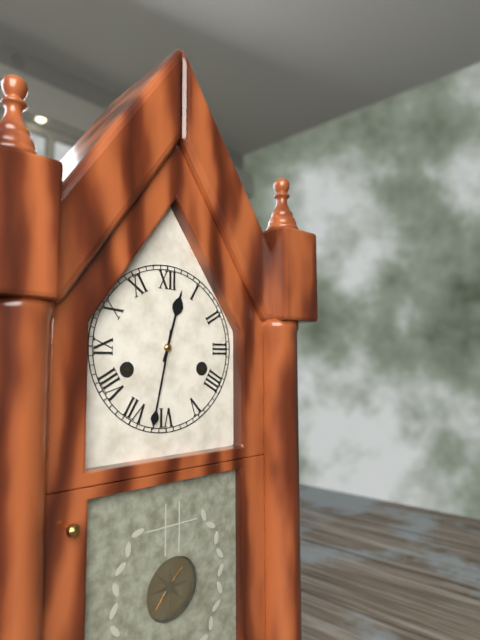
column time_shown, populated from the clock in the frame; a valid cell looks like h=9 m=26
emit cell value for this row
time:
h=12 m=32
